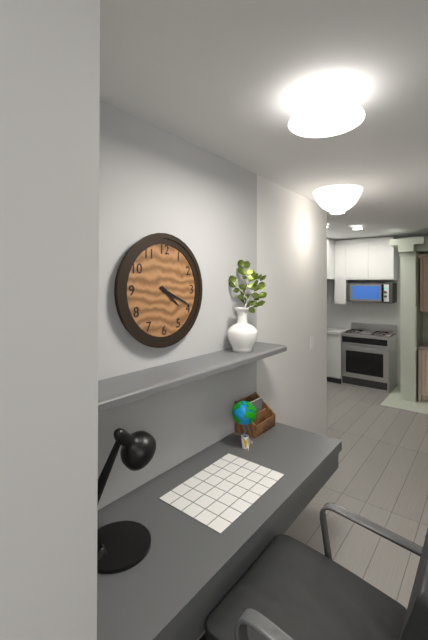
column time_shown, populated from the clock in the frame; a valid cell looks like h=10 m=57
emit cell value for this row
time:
h=4 m=19
